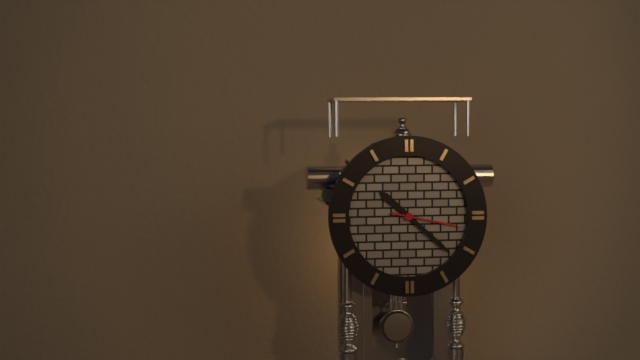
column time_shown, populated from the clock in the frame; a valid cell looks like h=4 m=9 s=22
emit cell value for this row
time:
h=10 m=22 s=17
